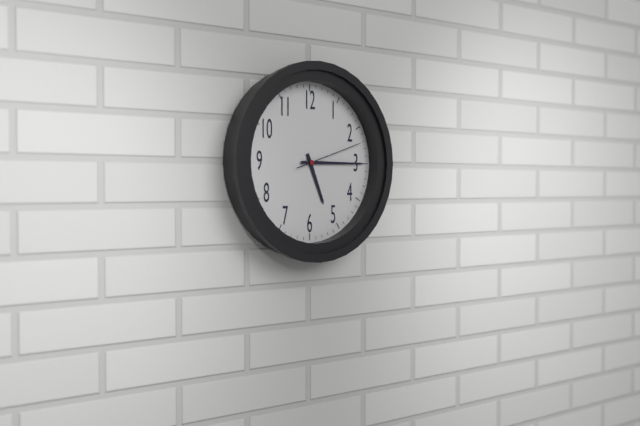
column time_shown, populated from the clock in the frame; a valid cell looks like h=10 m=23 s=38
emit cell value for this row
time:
h=5 m=15 s=12
